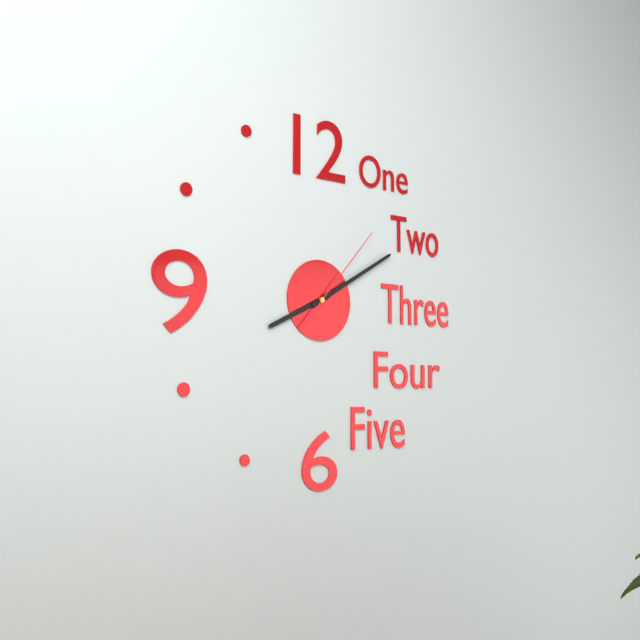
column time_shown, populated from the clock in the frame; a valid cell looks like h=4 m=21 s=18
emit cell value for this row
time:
h=8 m=10 s=7
